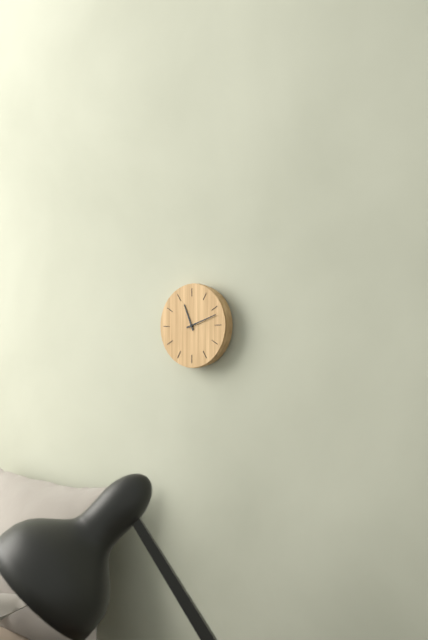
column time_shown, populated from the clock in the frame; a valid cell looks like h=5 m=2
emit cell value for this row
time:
h=11 m=12
